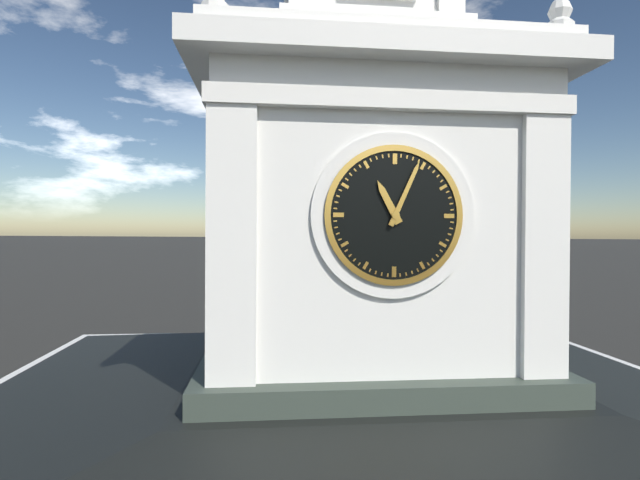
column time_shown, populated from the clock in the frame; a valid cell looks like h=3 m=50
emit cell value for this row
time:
h=11 m=4
